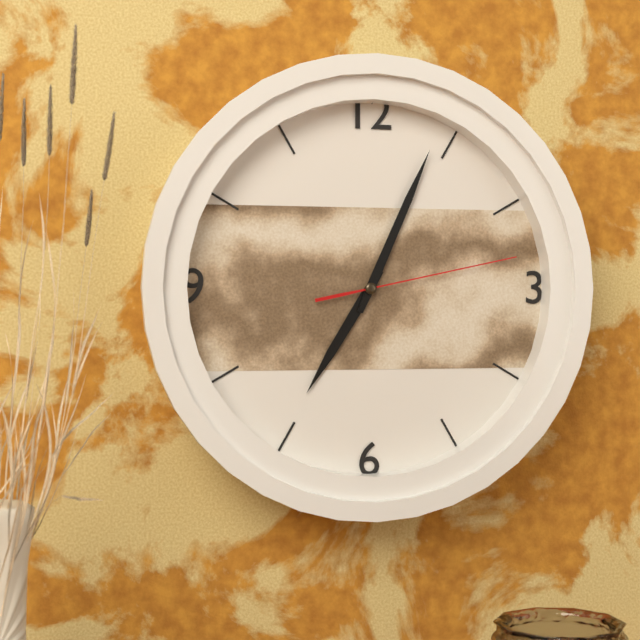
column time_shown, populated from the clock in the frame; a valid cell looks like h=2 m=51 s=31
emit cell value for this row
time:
h=7 m=4 s=13
